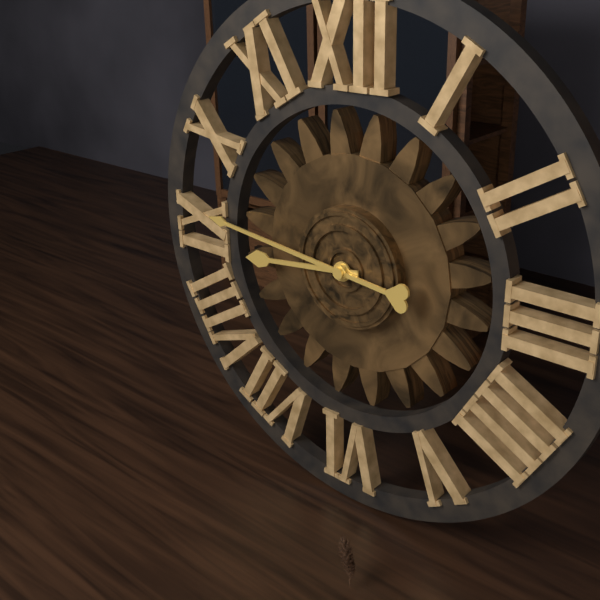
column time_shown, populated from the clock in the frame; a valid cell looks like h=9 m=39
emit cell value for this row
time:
h=8 m=46
